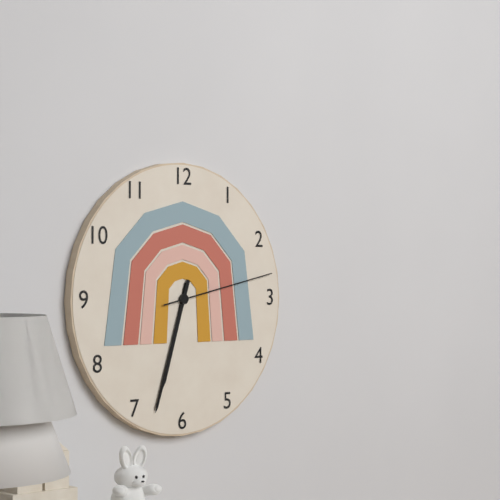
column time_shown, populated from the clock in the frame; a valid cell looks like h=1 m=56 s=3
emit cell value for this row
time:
h=6 m=33 s=13
